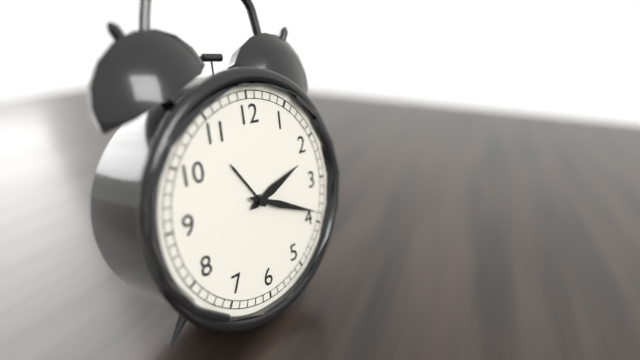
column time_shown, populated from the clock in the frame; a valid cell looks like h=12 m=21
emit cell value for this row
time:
h=2 m=19
